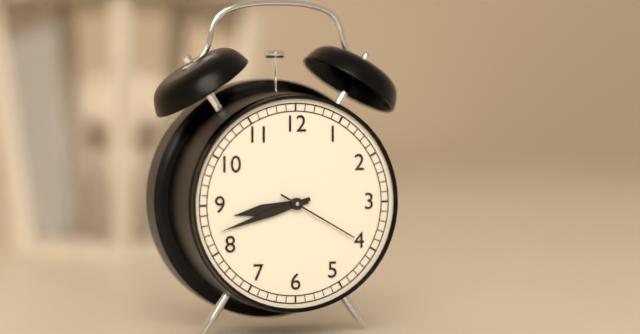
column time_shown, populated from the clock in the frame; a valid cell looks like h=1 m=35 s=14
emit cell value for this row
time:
h=8 m=42 s=20
